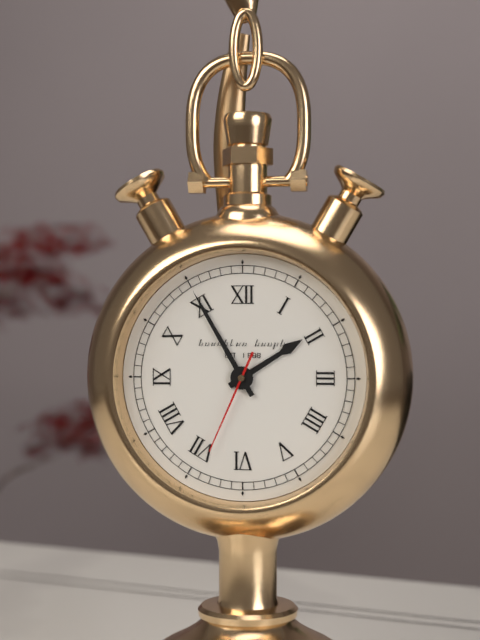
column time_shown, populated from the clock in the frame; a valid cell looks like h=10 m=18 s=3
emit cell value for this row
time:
h=1 m=55 s=34
